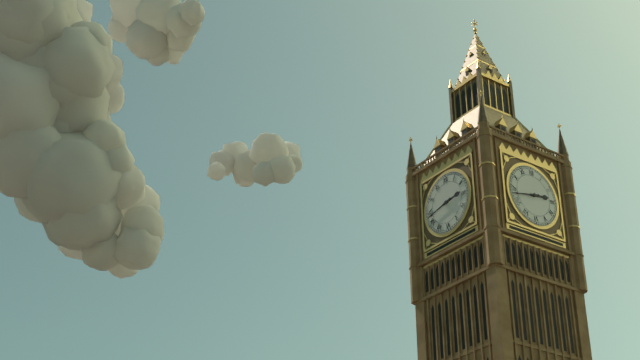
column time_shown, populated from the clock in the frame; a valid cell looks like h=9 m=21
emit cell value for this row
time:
h=2 m=43
